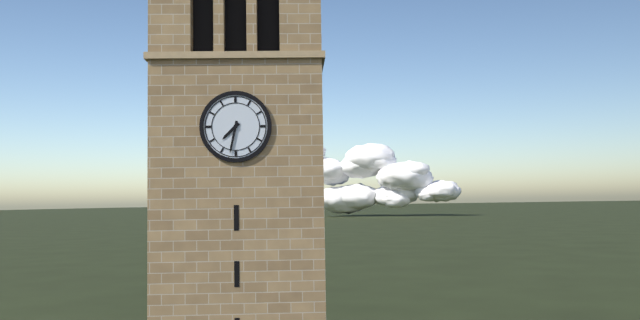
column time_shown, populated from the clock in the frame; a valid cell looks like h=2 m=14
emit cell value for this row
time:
h=7 m=32
